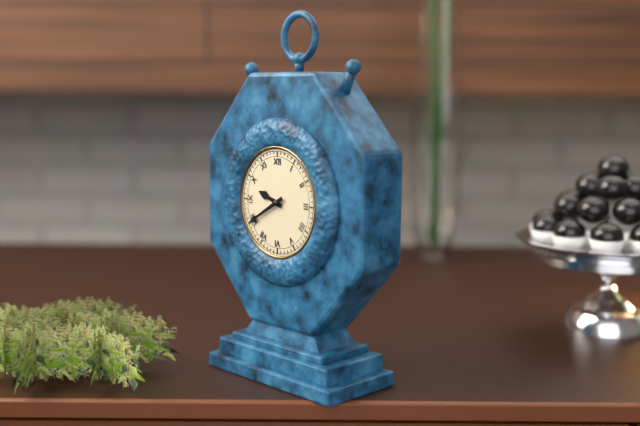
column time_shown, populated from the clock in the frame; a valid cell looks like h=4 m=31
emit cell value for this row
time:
h=9 m=40
